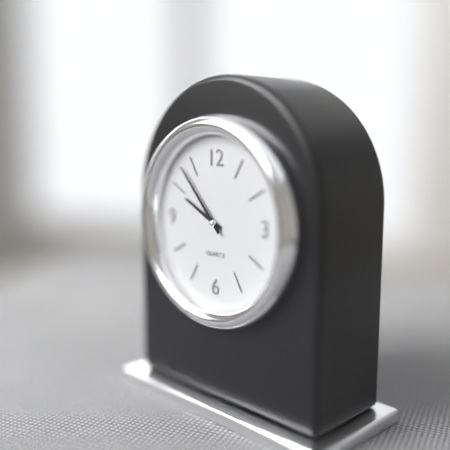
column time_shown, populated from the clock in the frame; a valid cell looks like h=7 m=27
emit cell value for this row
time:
h=9 m=53
